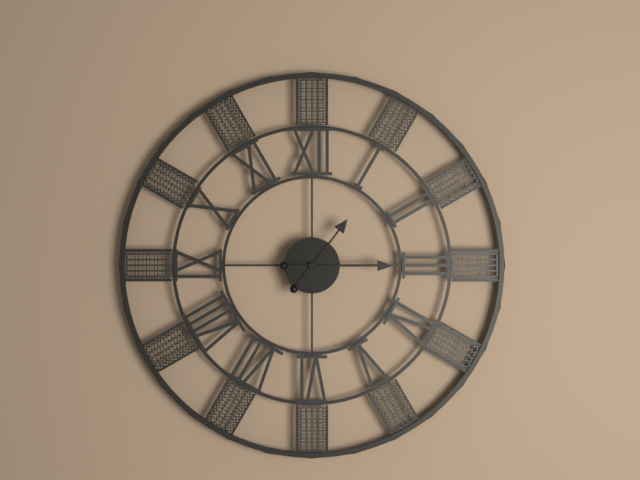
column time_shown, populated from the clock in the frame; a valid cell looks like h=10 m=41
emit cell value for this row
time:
h=1 m=15
